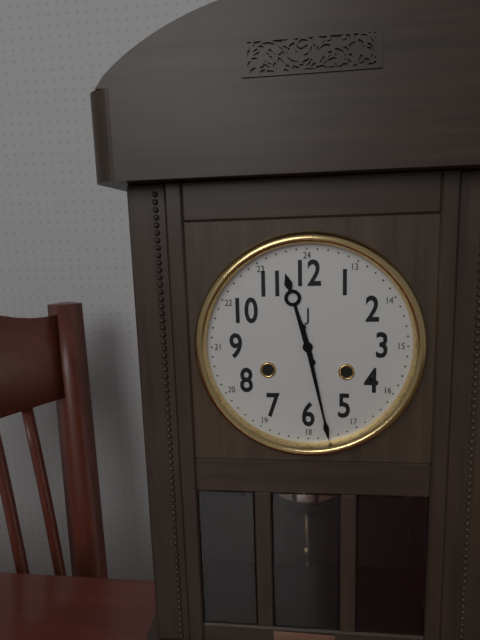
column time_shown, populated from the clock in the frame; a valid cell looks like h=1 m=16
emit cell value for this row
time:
h=11 m=28
